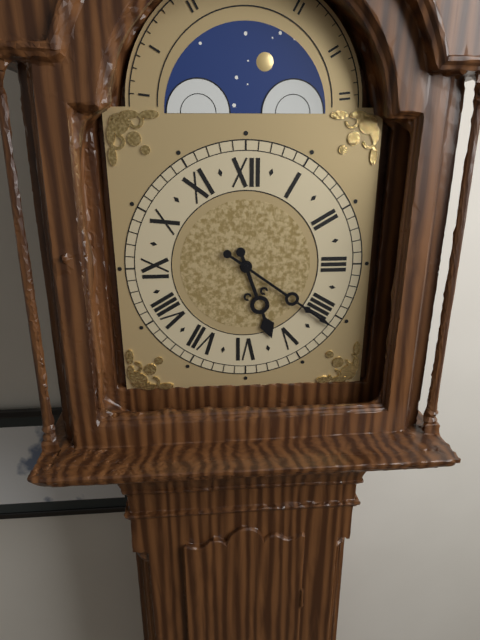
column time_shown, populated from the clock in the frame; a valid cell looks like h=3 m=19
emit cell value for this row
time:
h=5 m=21
